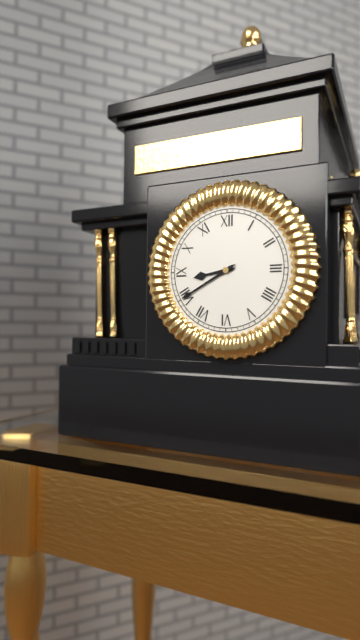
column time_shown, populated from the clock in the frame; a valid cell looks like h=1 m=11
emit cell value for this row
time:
h=8 m=40
